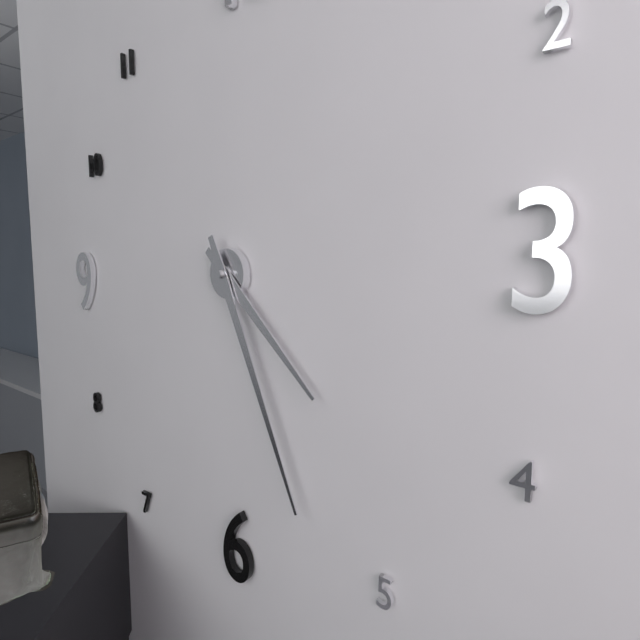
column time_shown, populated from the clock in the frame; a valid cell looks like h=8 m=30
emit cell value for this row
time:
h=4 m=26
